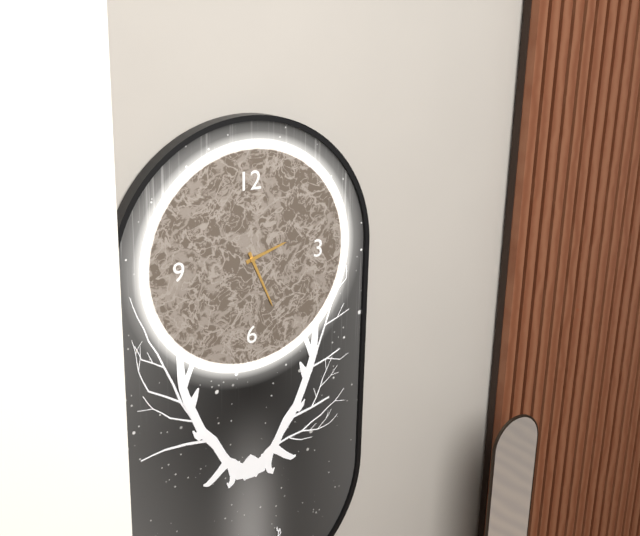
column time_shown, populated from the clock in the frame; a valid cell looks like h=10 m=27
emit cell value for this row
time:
h=2 m=26
